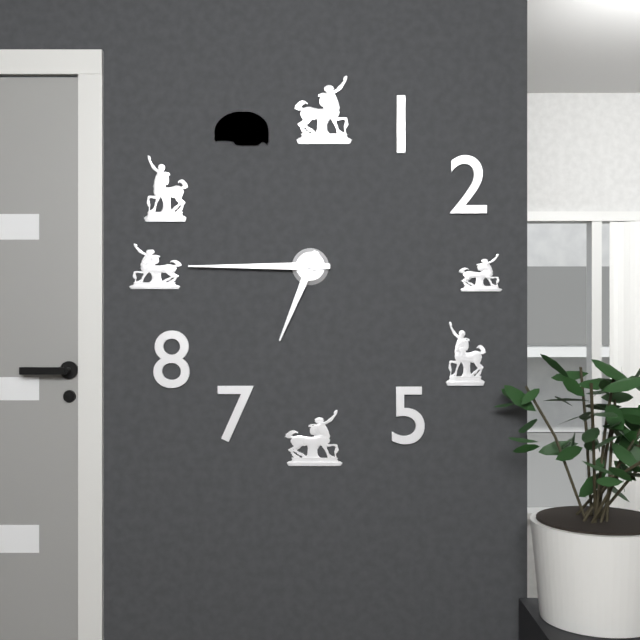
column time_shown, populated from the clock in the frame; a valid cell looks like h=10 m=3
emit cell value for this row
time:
h=6 m=45
